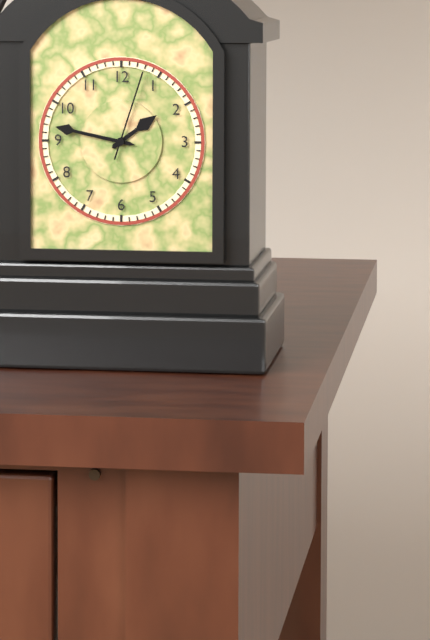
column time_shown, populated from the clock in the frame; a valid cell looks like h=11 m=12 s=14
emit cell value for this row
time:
h=1 m=47 s=3
